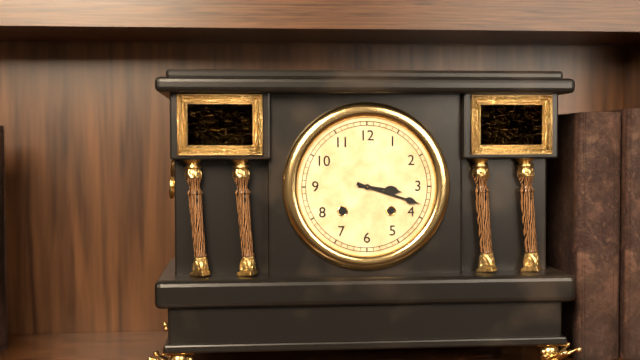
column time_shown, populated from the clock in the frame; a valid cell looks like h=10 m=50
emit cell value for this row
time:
h=3 m=18
